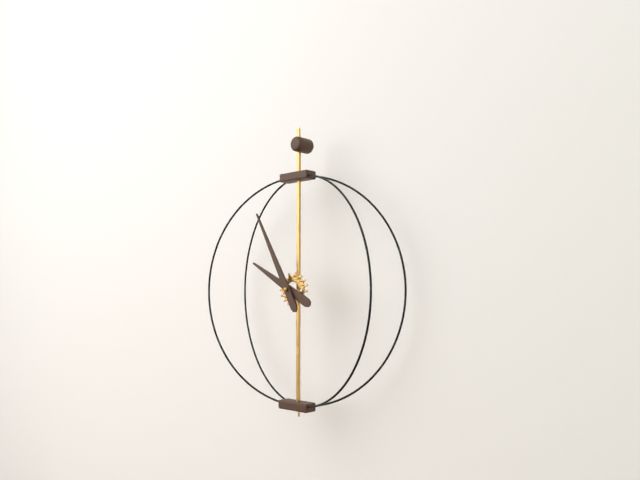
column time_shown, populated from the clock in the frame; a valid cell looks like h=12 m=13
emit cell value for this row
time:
h=9 m=55
